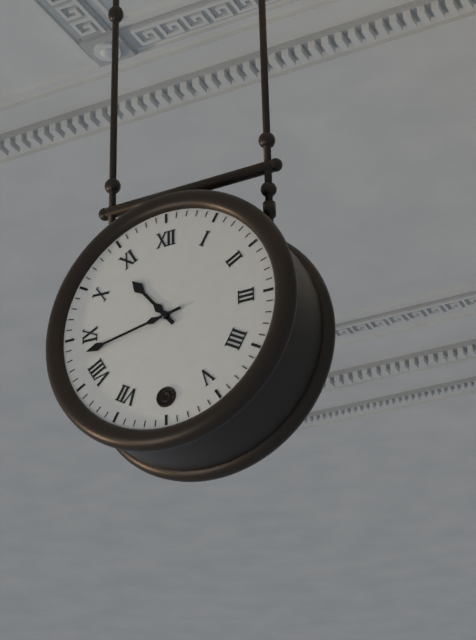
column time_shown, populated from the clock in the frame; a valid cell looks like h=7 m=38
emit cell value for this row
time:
h=10 m=43
